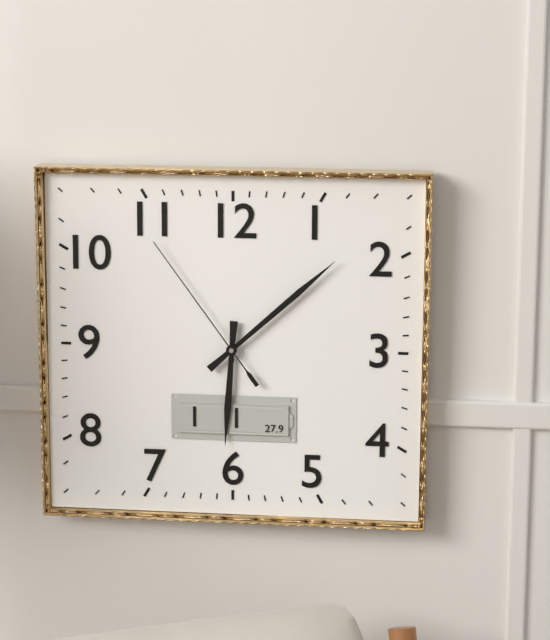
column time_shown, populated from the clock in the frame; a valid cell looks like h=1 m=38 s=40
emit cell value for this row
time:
h=6 m=8 s=54
